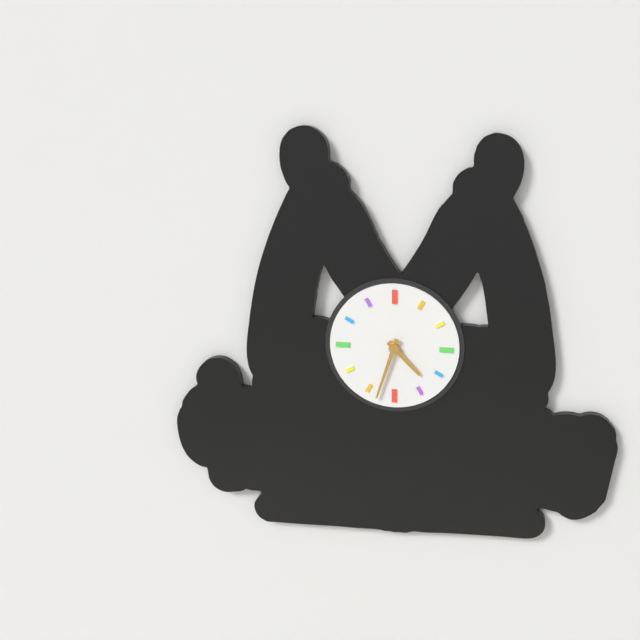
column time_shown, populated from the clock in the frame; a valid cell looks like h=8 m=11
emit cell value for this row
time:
h=4 m=33
